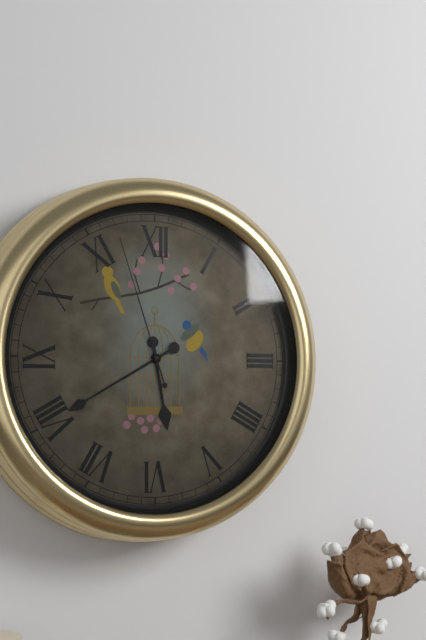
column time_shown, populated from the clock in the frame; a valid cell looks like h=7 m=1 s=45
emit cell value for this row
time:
h=5 m=40 s=57
